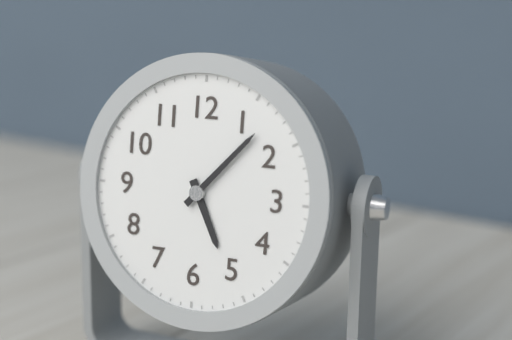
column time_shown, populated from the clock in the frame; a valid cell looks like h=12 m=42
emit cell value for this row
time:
h=5 m=7
